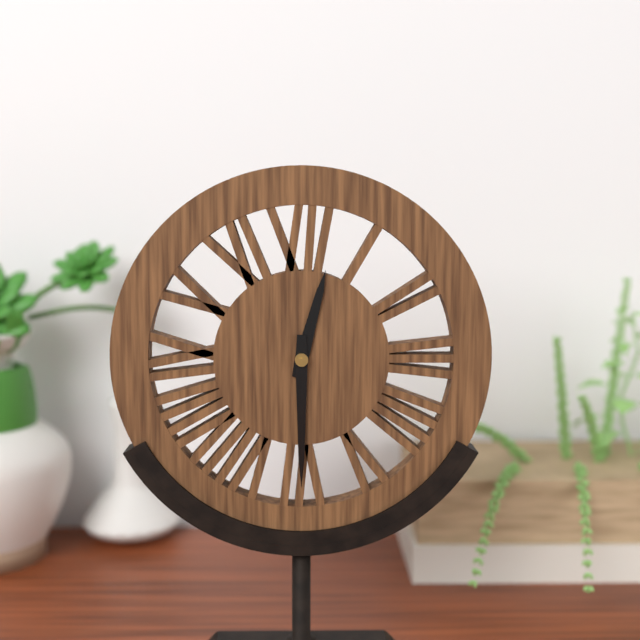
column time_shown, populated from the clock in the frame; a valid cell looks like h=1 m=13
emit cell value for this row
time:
h=12 m=30
